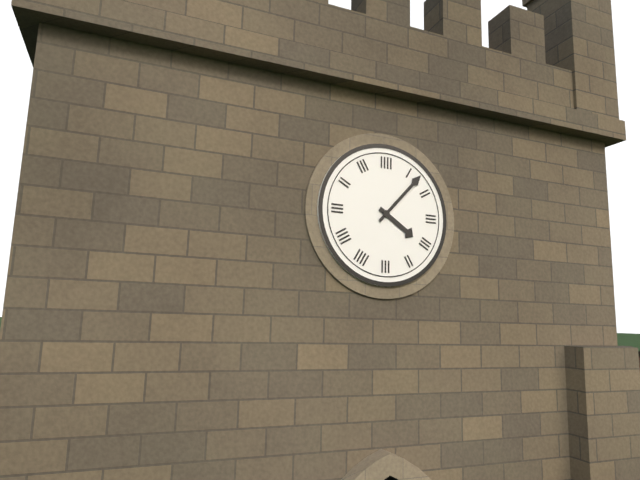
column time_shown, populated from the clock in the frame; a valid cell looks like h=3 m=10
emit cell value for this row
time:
h=4 m=7
